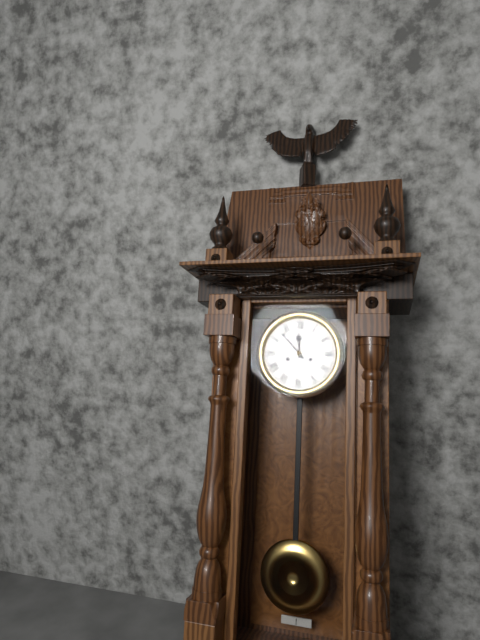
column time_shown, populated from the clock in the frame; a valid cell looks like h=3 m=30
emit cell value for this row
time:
h=11 m=53
